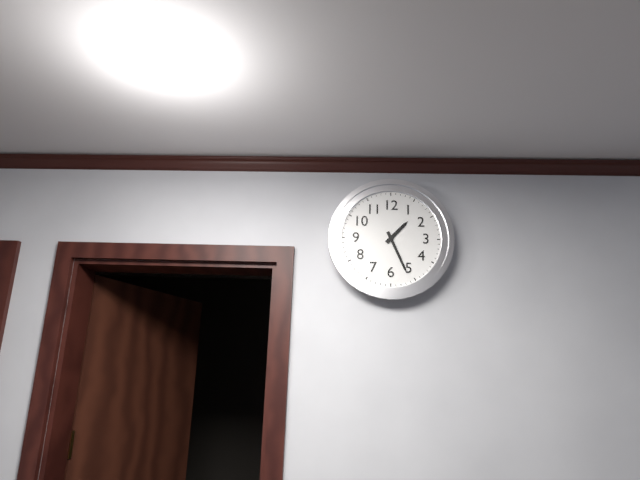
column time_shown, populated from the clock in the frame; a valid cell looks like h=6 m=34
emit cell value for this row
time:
h=1 m=26
